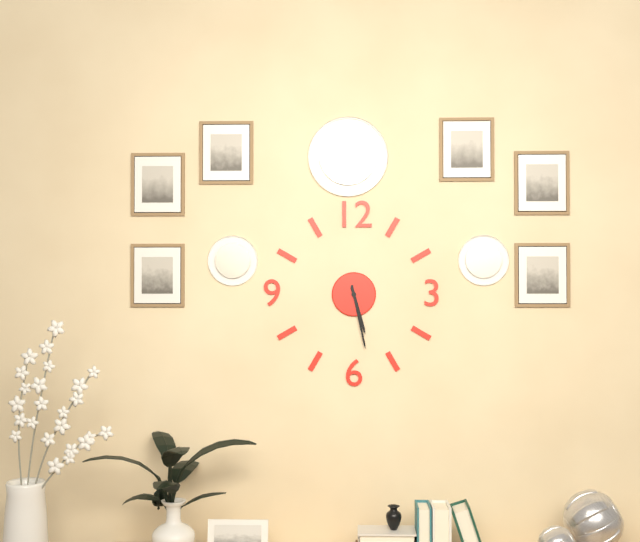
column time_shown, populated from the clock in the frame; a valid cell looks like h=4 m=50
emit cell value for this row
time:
h=5 m=28
